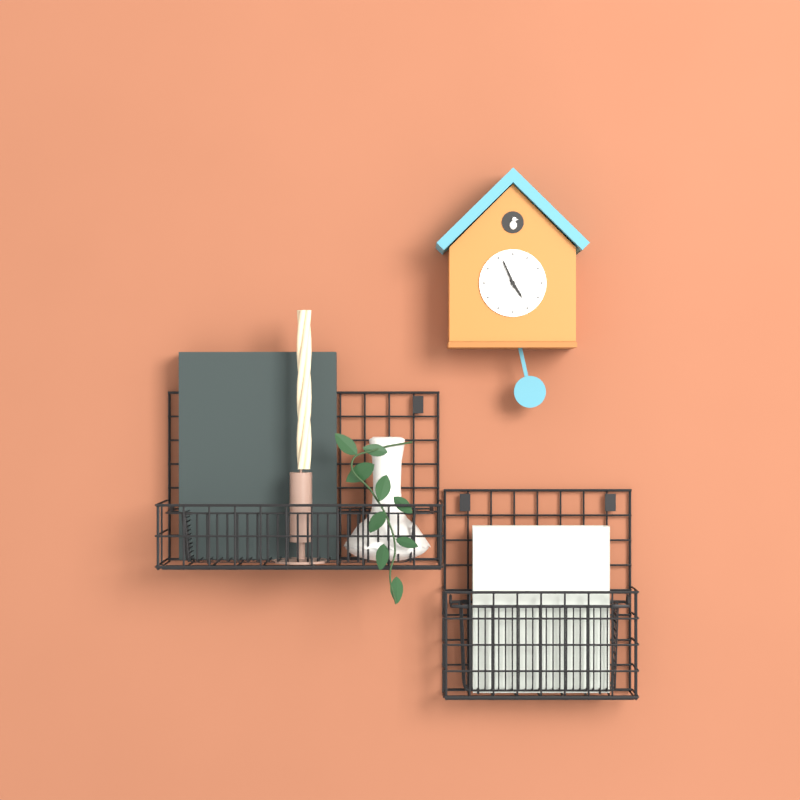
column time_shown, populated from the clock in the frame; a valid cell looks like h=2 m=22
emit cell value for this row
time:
h=4 m=56
